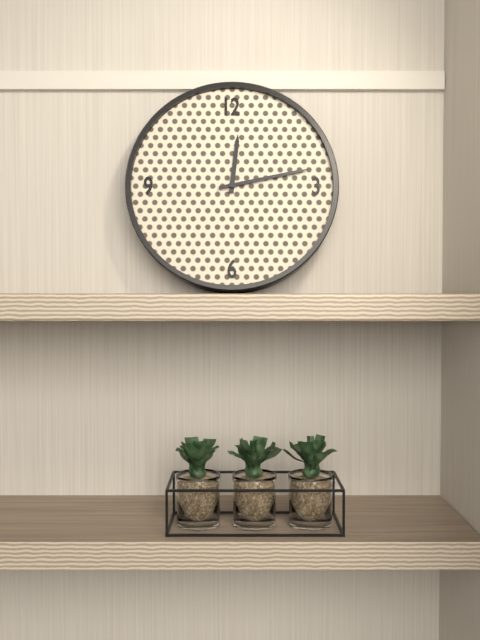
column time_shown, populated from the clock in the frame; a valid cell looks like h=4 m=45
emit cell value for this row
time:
h=12 m=13
